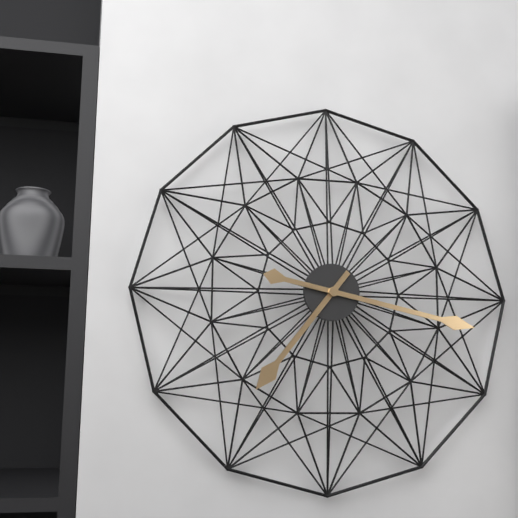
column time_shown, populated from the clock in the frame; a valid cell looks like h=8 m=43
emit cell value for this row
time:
h=7 m=17
